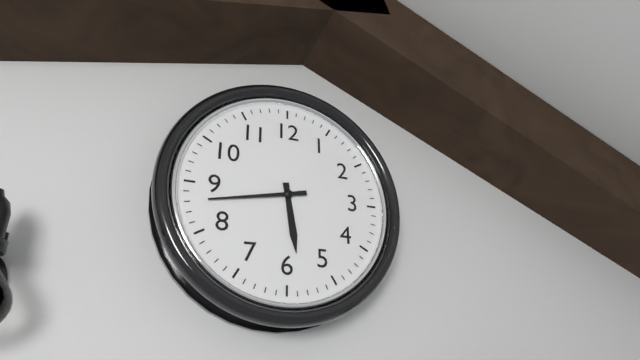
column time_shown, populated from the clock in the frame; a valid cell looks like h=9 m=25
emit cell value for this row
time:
h=5 m=43
